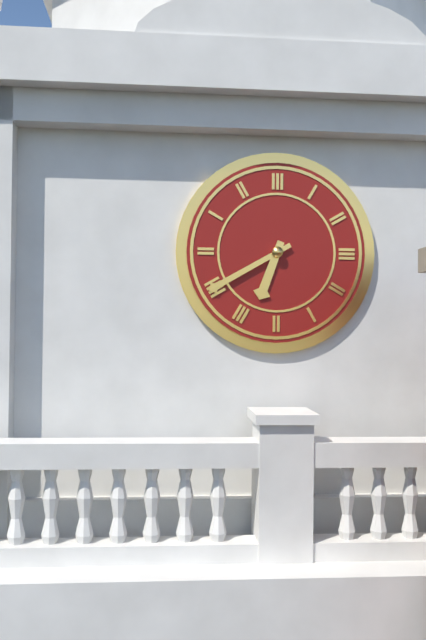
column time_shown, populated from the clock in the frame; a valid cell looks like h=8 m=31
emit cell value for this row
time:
h=6 m=40
